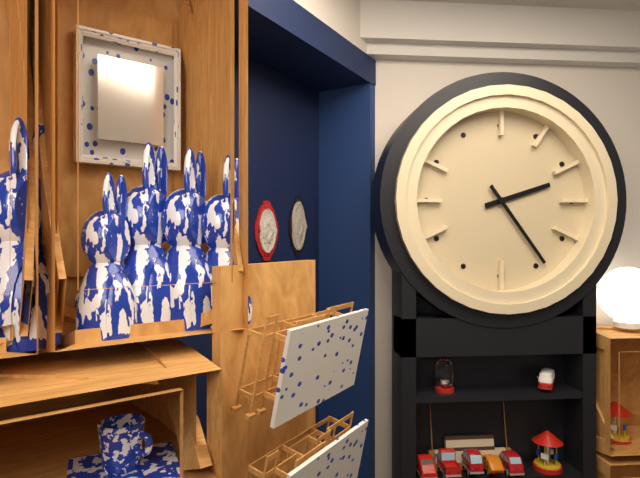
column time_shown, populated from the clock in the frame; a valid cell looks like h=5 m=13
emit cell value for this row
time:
h=2 m=24
